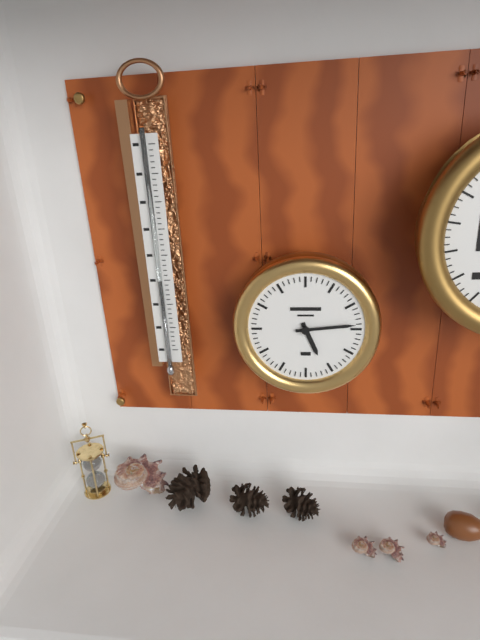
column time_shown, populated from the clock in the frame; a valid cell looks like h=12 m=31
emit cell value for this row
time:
h=5 m=14
